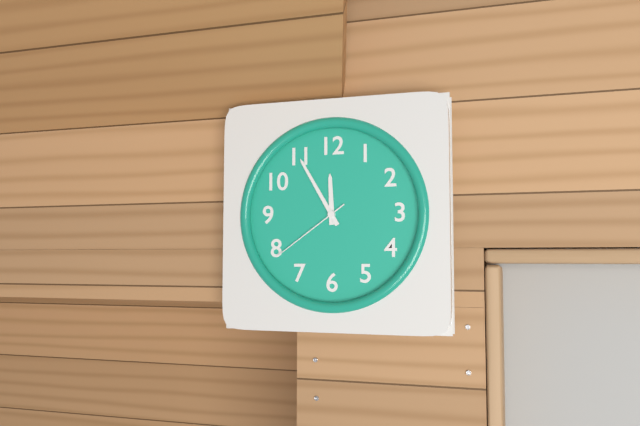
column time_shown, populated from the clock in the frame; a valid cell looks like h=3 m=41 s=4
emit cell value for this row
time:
h=11 m=55 s=39
